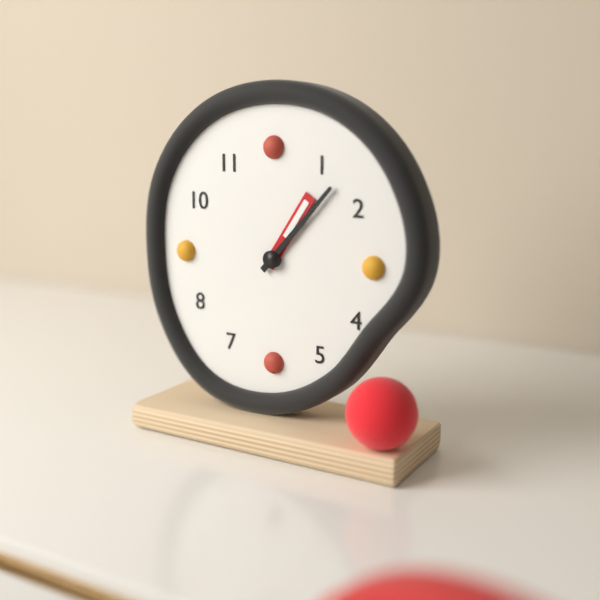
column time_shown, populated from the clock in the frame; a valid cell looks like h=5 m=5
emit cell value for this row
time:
h=1 m=7
